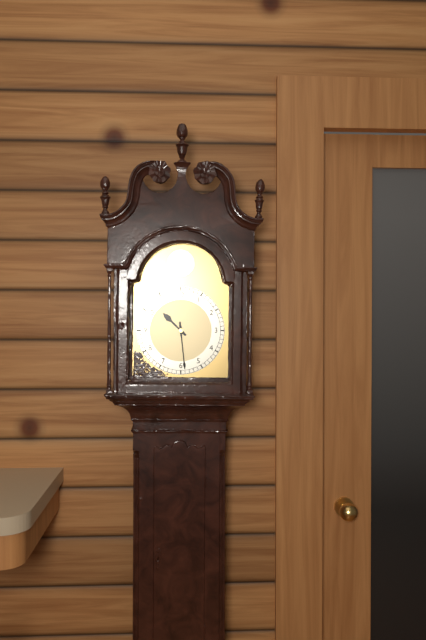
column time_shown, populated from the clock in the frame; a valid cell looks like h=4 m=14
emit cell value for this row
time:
h=10 m=29
